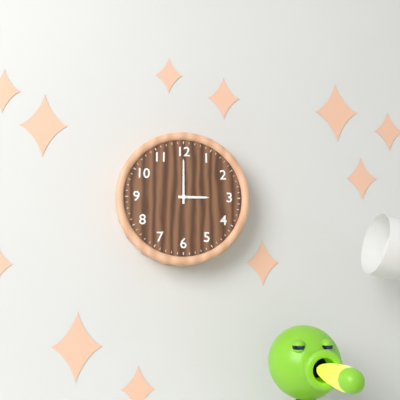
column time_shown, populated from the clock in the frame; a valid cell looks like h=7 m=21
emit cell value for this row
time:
h=3 m=0
